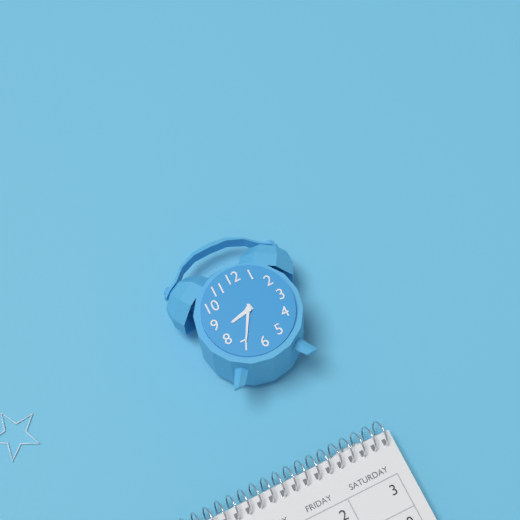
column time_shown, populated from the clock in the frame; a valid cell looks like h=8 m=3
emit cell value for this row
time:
h=8 m=35
